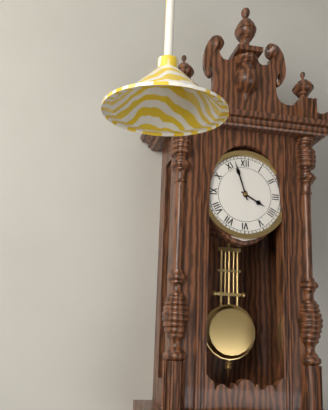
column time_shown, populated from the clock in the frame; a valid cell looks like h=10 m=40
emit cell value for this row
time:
h=3 m=57
